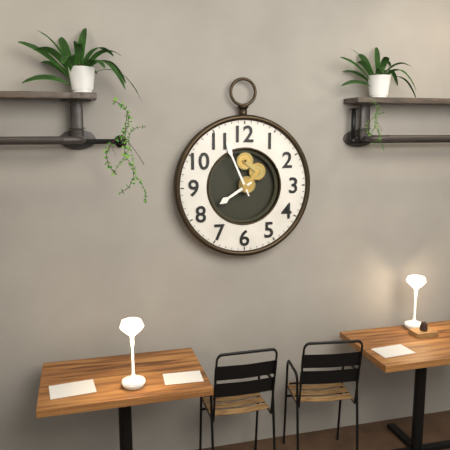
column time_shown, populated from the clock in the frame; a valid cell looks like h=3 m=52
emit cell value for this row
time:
h=7 m=56
